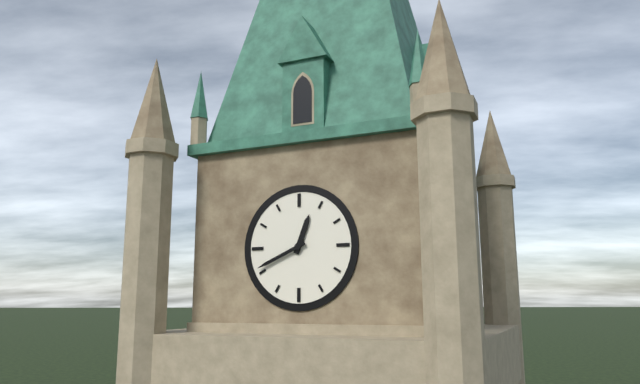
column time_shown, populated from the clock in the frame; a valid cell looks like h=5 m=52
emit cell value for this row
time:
h=12 m=41
